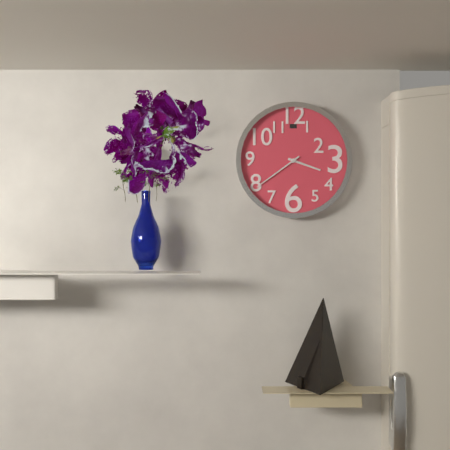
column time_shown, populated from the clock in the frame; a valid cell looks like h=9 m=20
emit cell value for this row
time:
h=3 m=39
